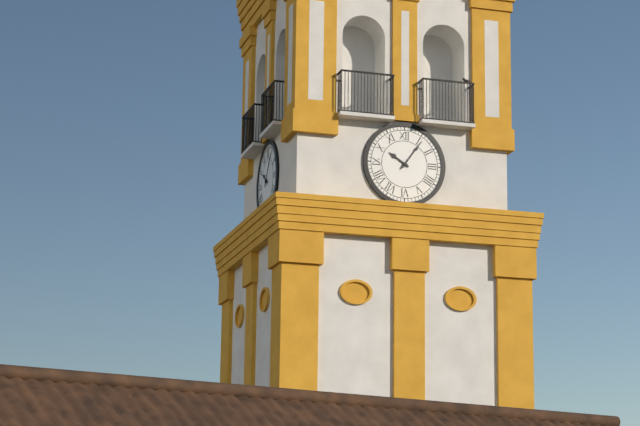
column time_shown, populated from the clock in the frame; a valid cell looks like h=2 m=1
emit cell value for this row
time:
h=10 m=6
